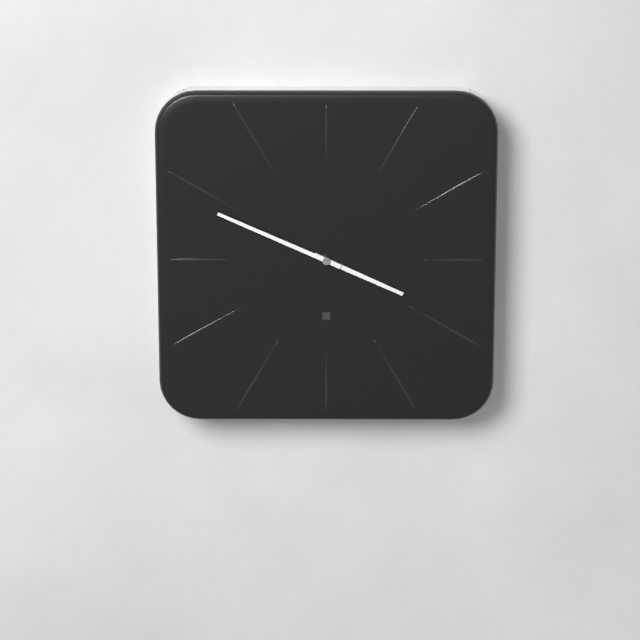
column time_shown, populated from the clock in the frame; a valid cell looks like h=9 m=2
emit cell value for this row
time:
h=3 m=49
